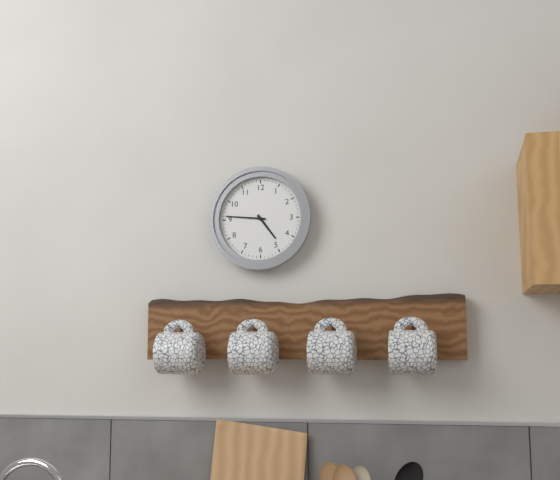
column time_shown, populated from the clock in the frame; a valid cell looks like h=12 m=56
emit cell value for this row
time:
h=4 m=46
